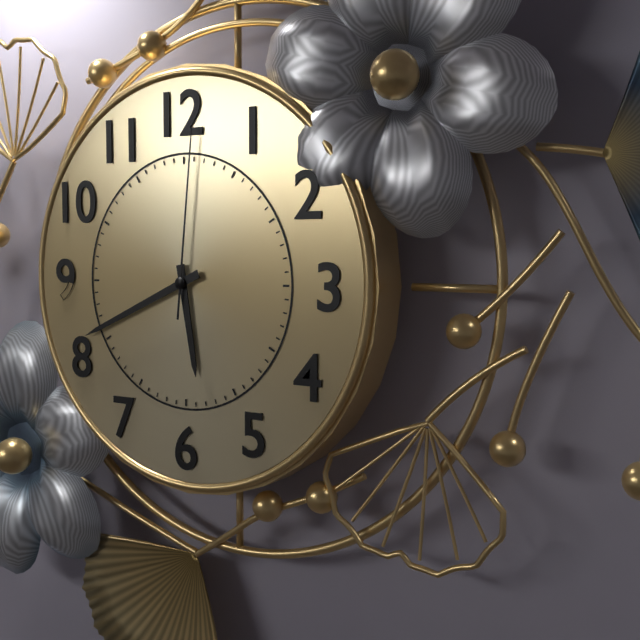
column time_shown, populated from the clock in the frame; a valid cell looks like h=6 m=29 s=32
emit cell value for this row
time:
h=5 m=41 s=1
